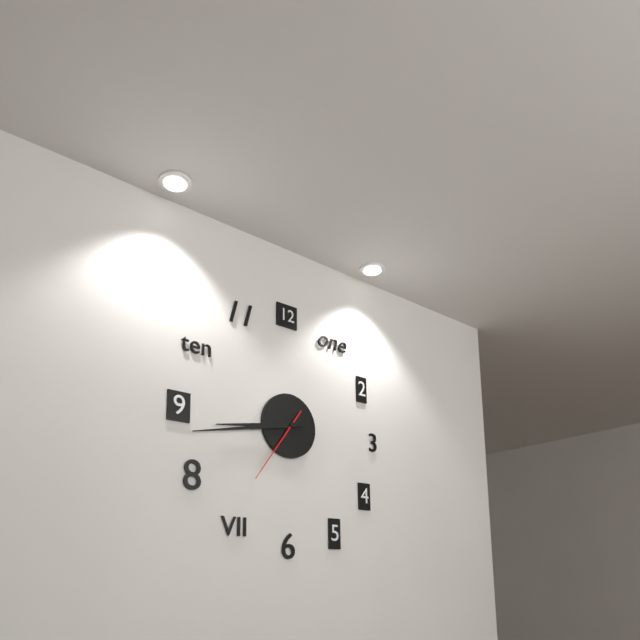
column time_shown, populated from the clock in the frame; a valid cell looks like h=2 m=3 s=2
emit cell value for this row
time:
h=8 m=43 s=36
